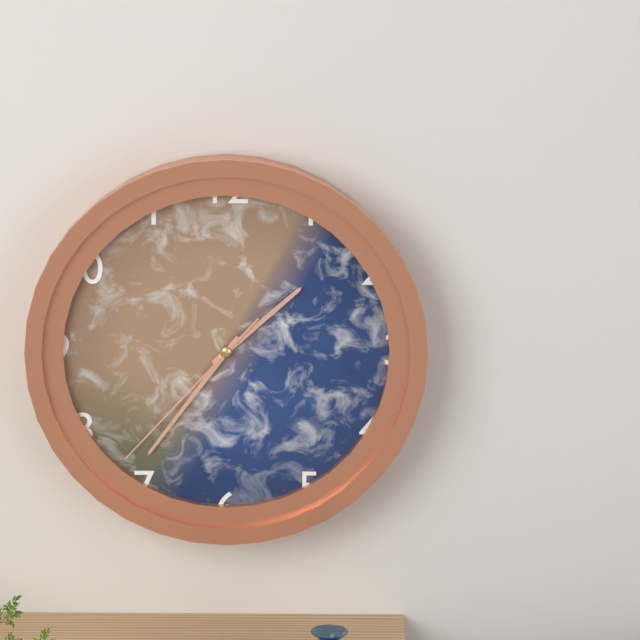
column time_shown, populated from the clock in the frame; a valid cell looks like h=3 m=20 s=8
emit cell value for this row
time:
h=1 m=36 s=37
